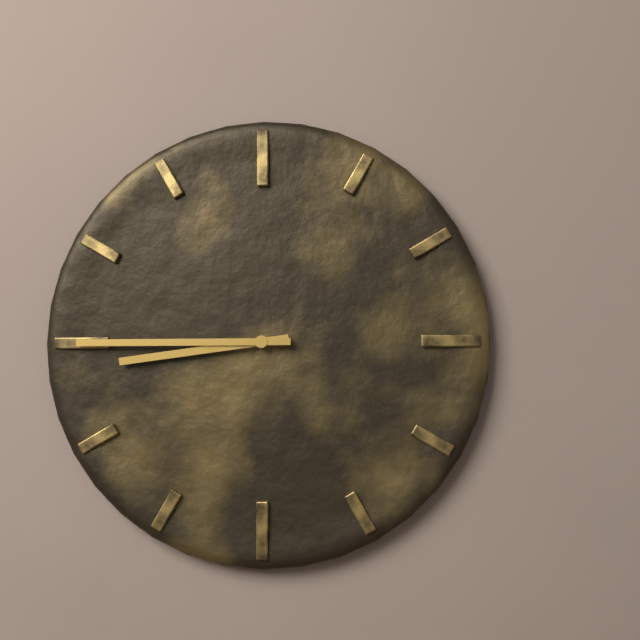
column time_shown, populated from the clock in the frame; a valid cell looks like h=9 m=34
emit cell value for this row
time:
h=8 m=45
